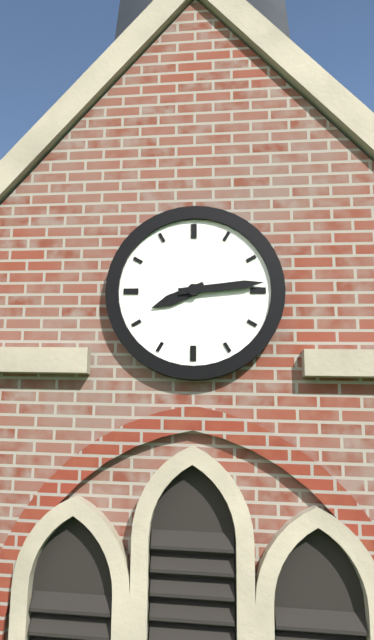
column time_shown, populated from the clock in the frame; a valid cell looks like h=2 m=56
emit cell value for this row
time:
h=8 m=14
